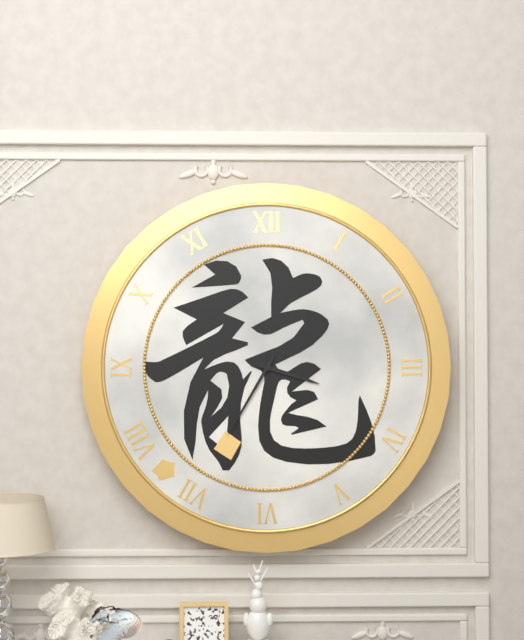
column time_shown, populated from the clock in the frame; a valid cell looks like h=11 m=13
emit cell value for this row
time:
h=3 m=35
